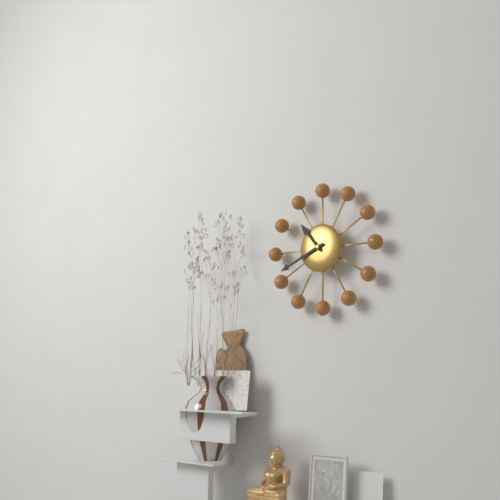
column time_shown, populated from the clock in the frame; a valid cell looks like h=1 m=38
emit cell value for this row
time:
h=10 m=41
